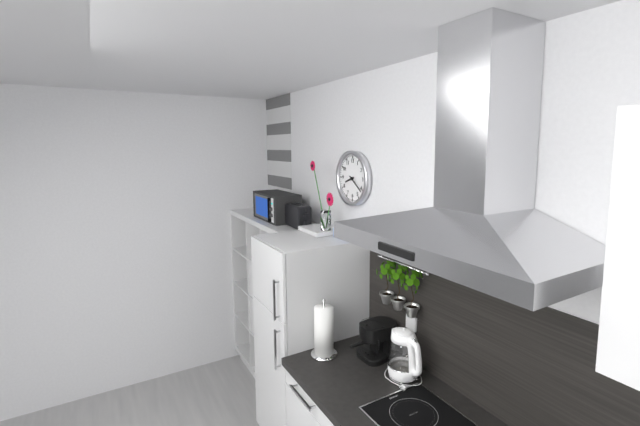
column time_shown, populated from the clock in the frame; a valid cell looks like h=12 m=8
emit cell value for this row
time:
h=8 m=21
